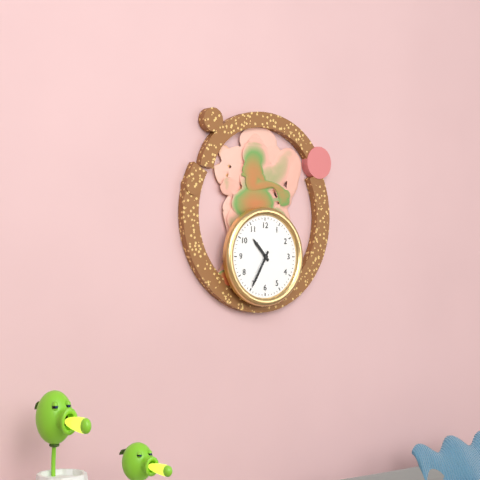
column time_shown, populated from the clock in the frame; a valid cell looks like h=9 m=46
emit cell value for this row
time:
h=10 m=35
